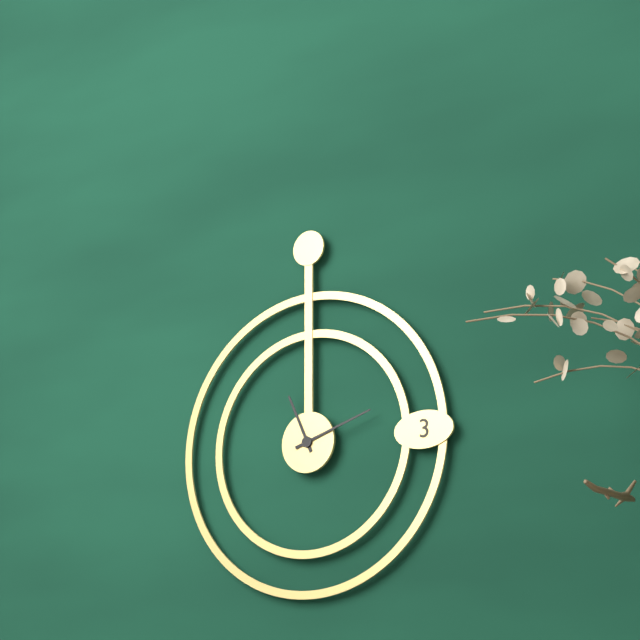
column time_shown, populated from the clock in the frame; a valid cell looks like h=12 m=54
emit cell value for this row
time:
h=11 m=12
